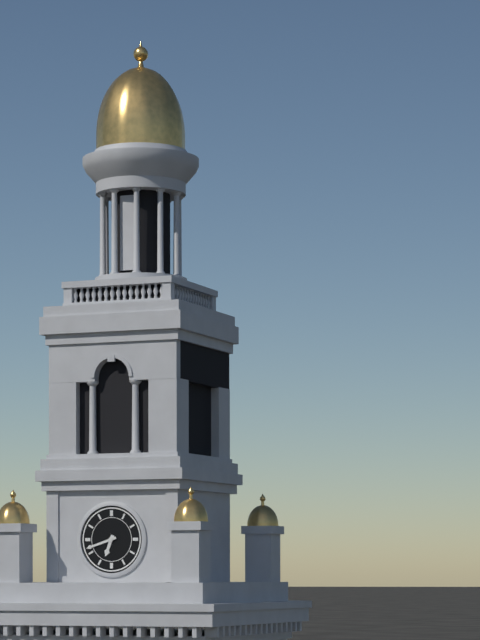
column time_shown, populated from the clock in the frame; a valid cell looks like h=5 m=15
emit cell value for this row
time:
h=6 m=42
